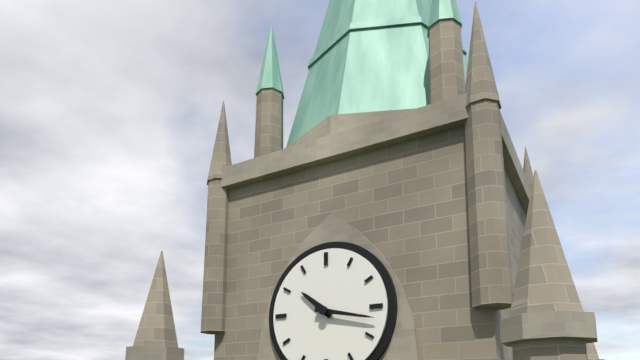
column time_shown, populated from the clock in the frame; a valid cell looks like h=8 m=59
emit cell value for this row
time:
h=10 m=17
